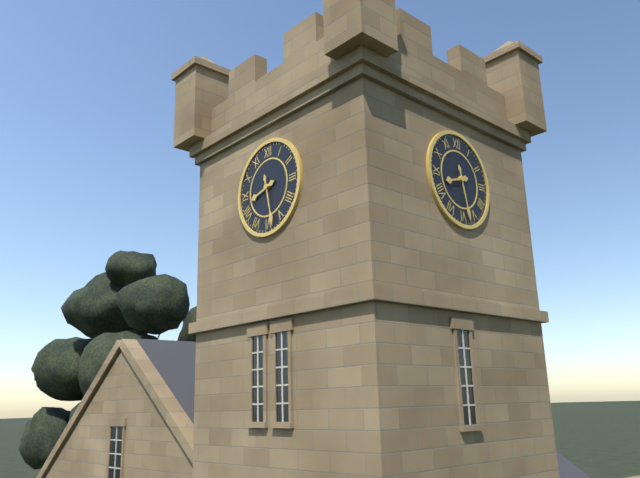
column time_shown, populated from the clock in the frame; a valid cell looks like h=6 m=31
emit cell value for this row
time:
h=8 m=28
